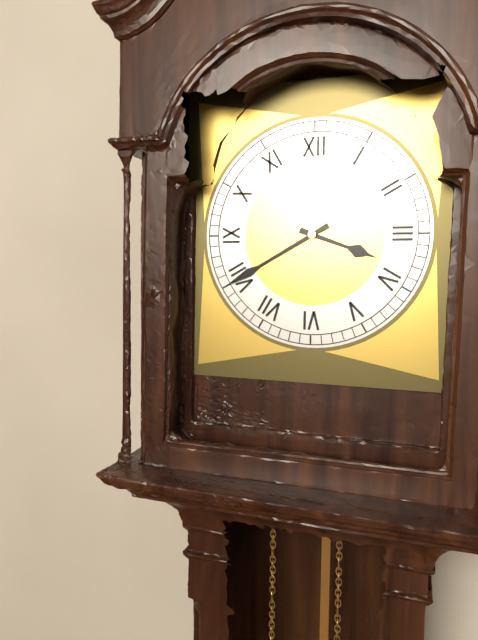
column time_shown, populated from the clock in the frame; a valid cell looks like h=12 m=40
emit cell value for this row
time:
h=3 m=40
